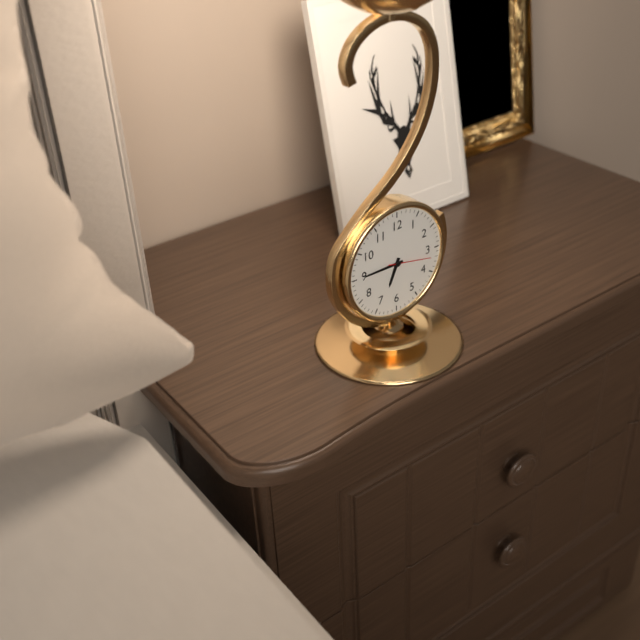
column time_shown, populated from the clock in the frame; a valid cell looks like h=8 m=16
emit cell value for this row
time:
h=6 m=45
